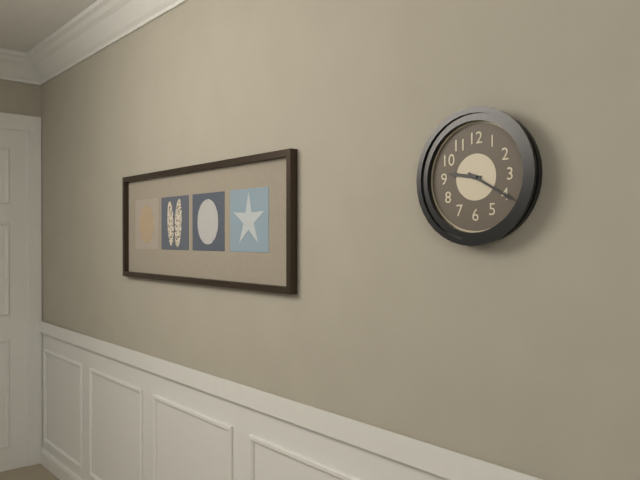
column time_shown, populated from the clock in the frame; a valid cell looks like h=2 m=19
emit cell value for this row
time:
h=9 m=20
